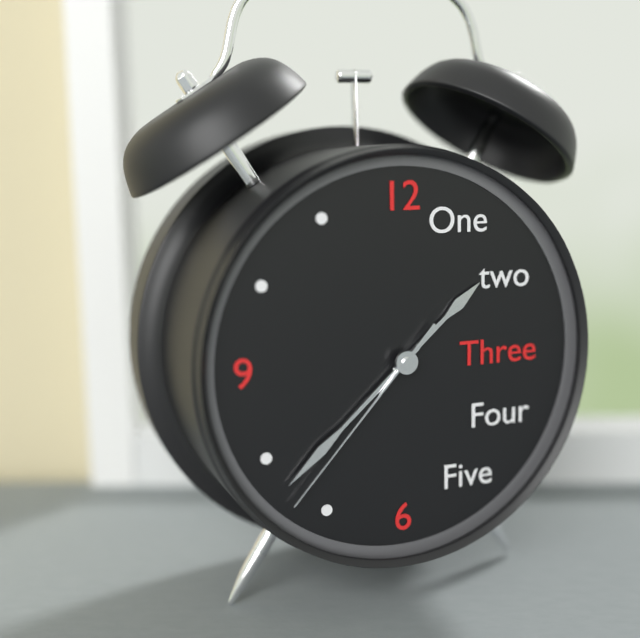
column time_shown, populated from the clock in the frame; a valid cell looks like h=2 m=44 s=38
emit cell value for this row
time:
h=1 m=38 s=37
